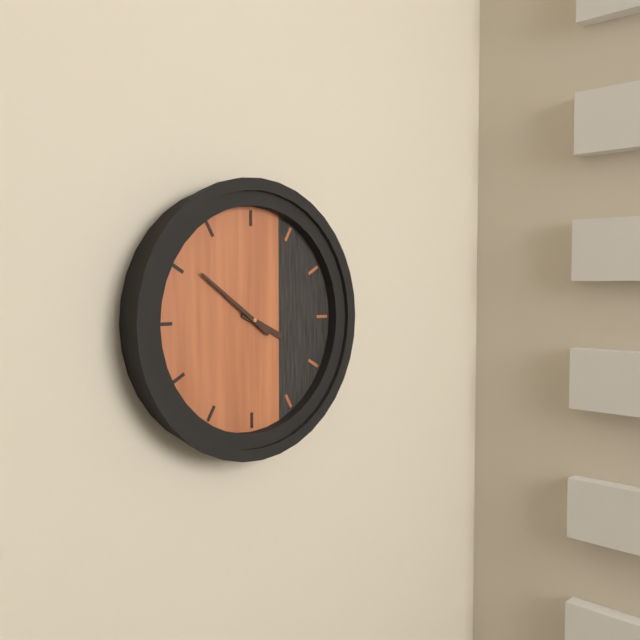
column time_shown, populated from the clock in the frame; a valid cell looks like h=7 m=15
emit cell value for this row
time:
h=3 m=51
